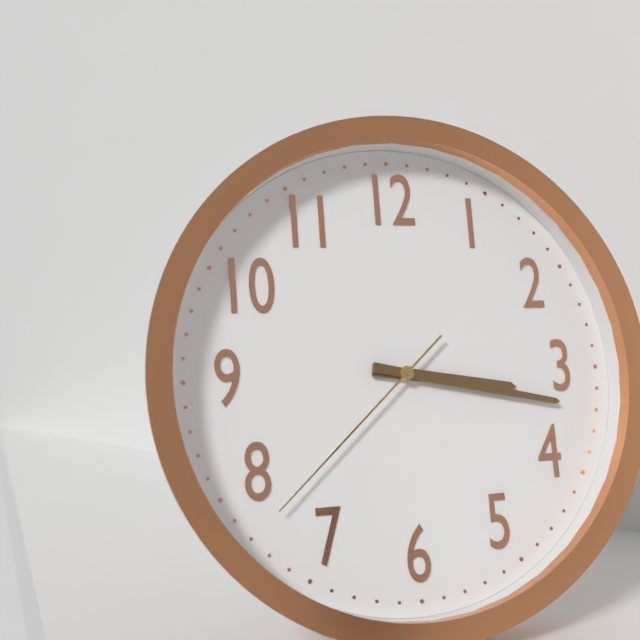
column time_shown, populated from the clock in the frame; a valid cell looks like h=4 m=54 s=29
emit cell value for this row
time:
h=3 m=17 s=38
